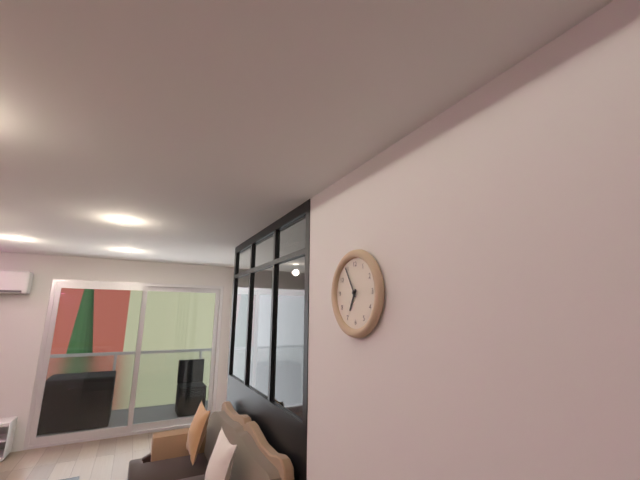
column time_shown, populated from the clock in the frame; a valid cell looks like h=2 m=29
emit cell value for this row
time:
h=6 m=55
